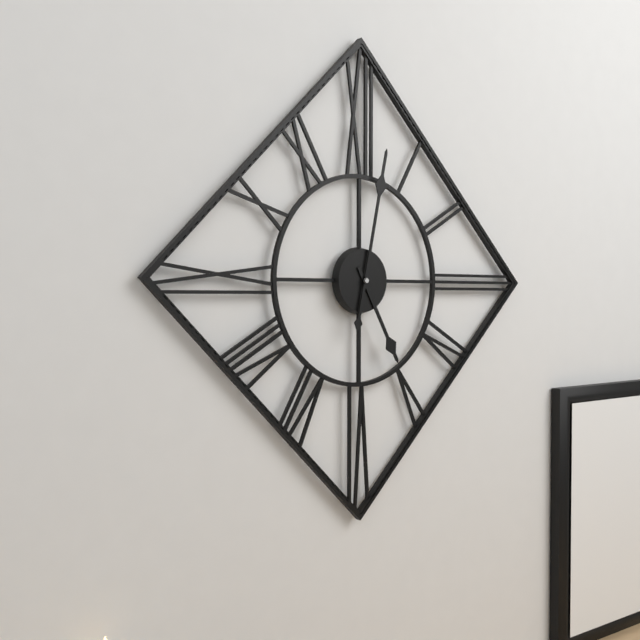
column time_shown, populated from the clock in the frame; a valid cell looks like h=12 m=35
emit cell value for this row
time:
h=5 m=2
